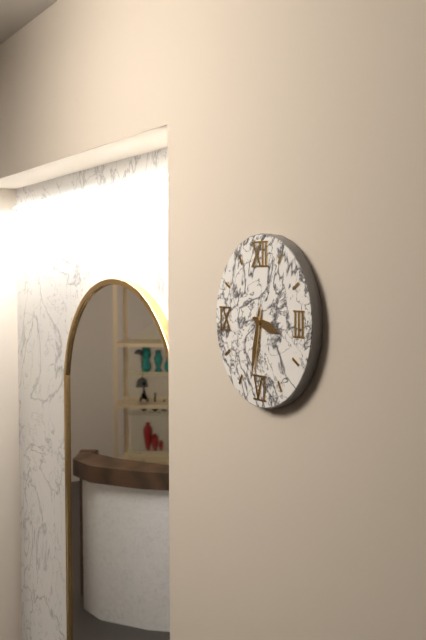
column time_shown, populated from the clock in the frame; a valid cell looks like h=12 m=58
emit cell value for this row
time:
h=3 m=32
